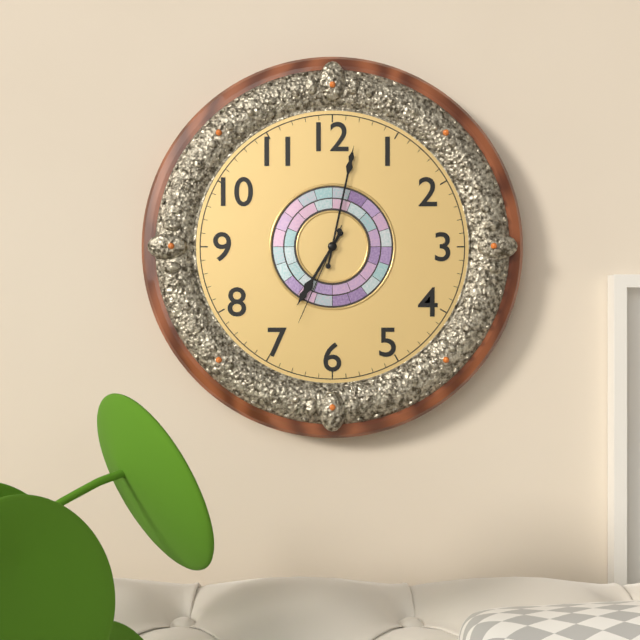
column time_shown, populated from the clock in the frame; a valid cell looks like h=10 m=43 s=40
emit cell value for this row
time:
h=7 m=2 s=34
